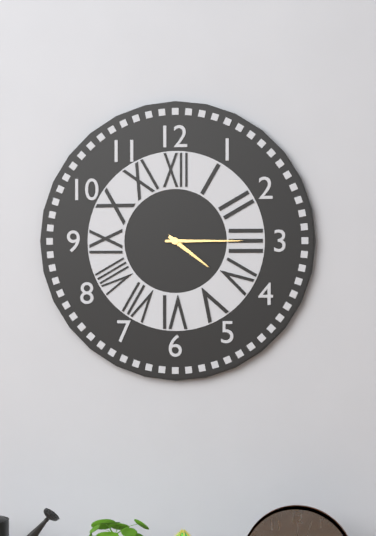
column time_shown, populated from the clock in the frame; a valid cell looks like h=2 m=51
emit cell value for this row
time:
h=4 m=15
